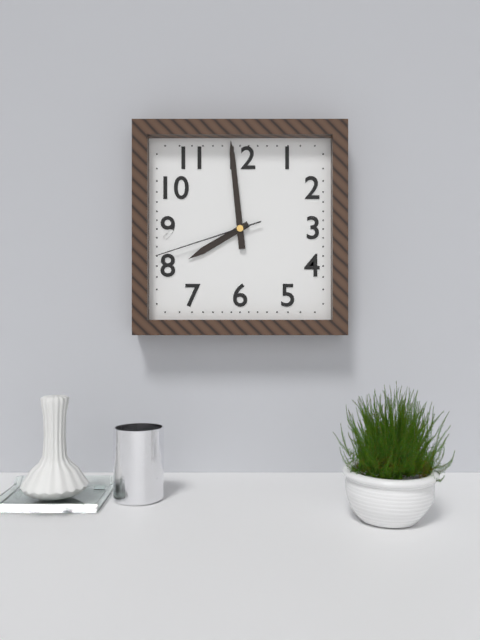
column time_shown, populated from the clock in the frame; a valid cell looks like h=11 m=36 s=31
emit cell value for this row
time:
h=7 m=59 s=42
